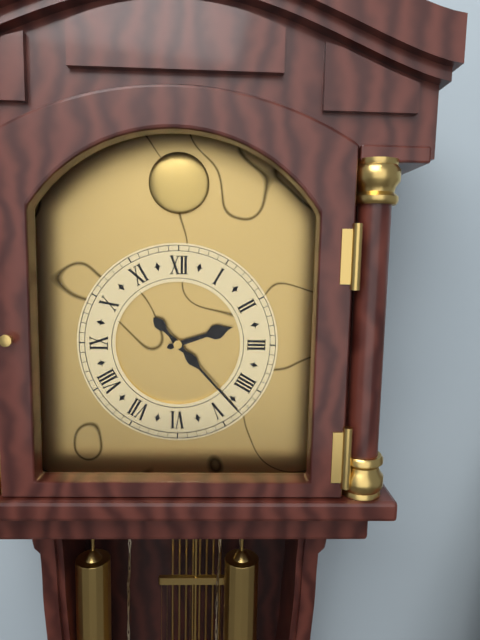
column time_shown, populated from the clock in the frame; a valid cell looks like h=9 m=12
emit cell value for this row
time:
h=2 m=23
